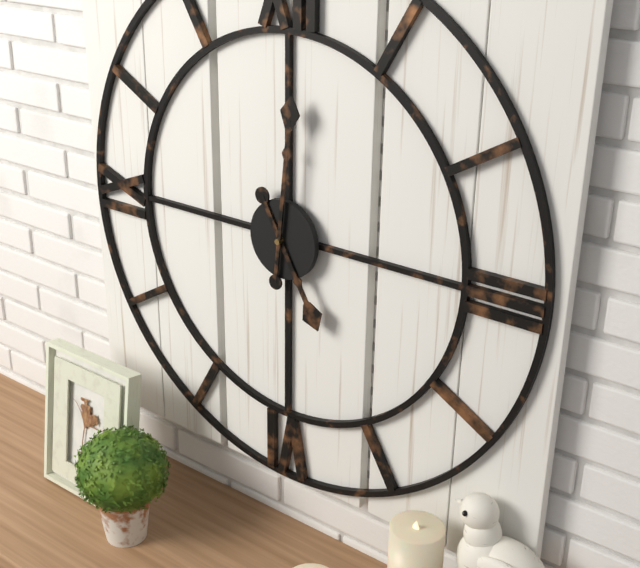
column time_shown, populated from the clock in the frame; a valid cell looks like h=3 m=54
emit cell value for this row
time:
h=5 m=1
